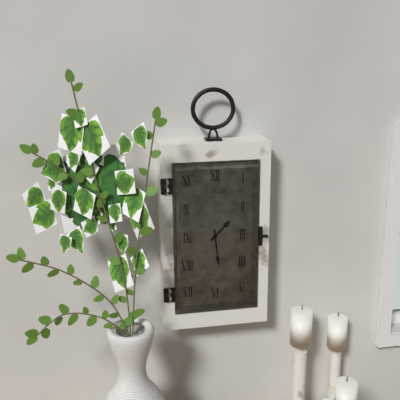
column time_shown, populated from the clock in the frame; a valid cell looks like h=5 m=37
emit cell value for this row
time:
h=1 m=29
